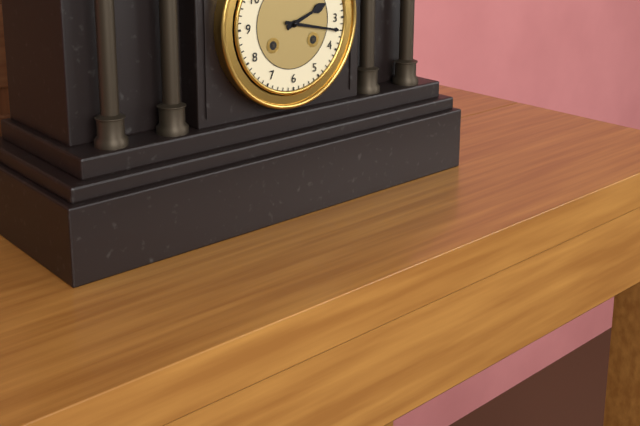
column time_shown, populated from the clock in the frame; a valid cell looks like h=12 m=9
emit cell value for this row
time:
h=2 m=17
